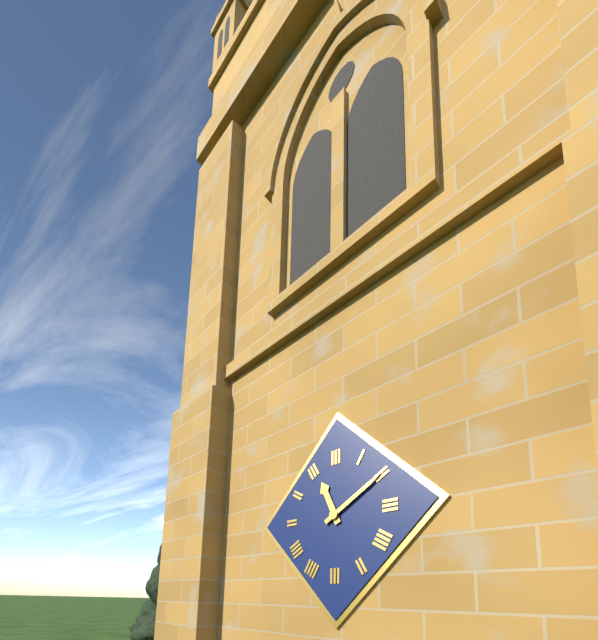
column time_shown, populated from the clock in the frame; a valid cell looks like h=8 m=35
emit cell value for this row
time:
h=11 m=10
